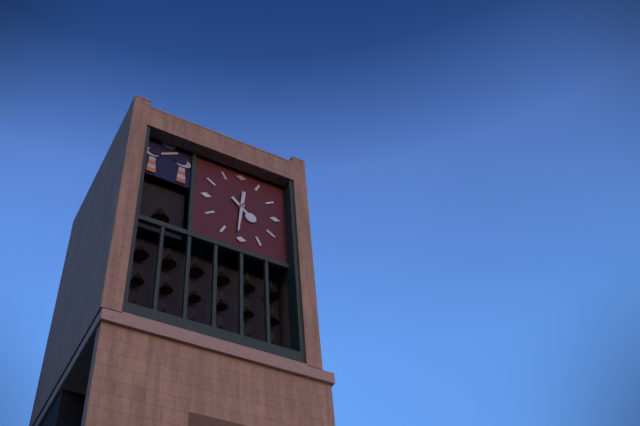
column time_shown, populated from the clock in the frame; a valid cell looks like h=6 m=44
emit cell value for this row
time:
h=4 m=31
